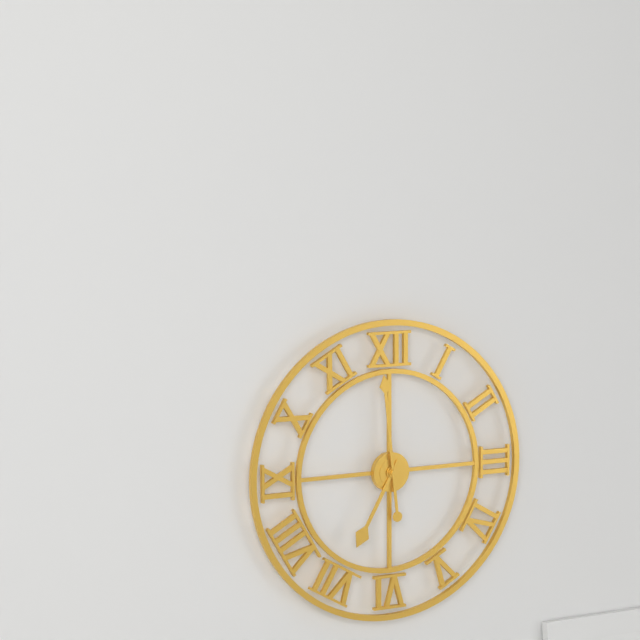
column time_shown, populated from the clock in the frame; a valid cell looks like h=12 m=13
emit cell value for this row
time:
h=6 m=59
